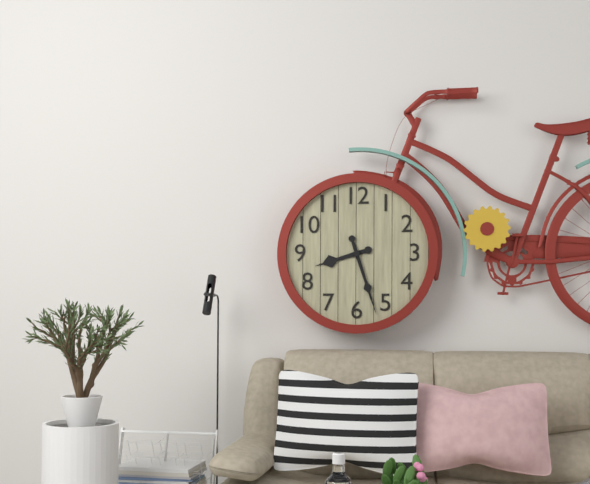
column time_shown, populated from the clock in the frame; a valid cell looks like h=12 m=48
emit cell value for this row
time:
h=8 m=27
